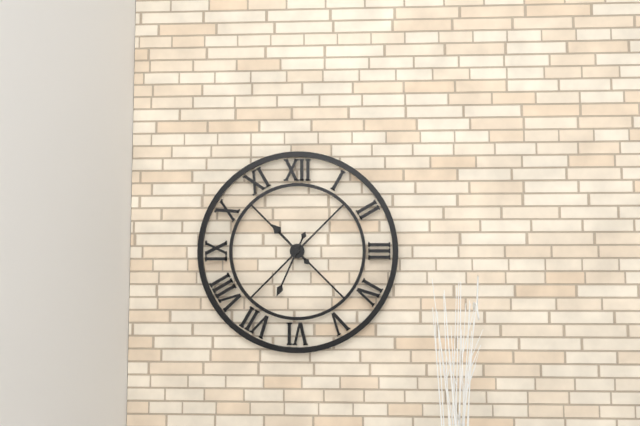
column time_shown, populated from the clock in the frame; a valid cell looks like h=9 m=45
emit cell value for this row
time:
h=10 m=34
